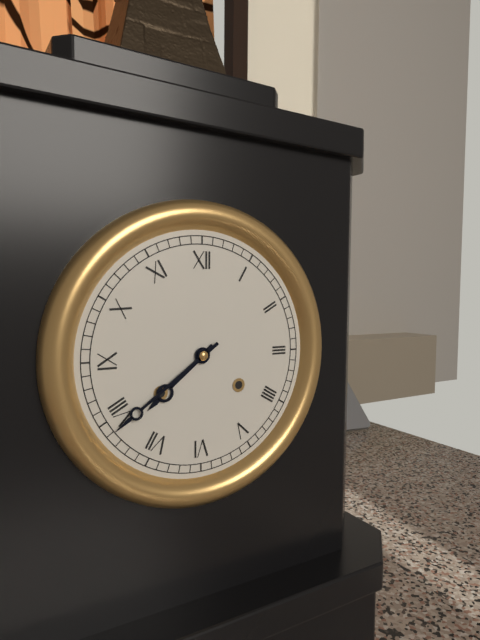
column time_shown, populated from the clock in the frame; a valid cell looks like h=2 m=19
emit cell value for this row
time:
h=7 m=39
